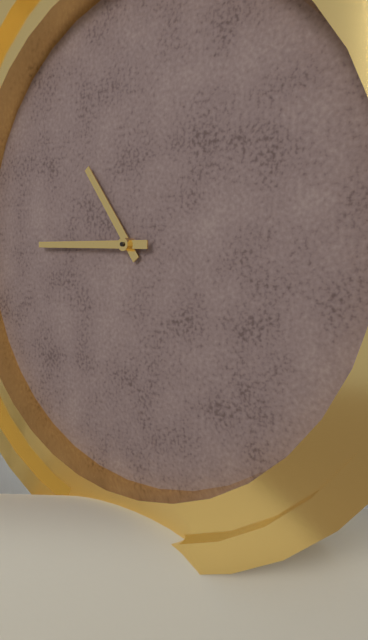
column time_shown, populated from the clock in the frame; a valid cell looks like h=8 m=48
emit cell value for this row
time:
h=10 m=45
